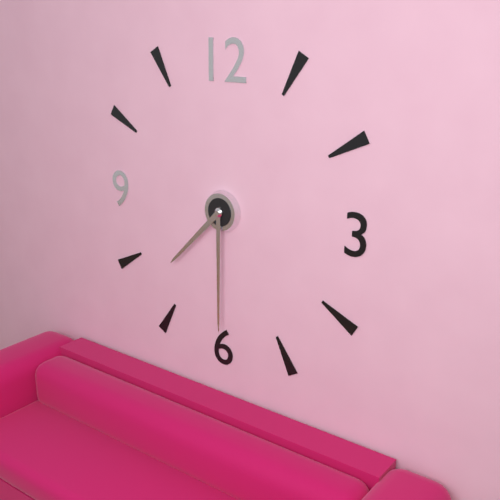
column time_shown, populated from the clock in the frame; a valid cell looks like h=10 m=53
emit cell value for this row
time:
h=7 m=30
